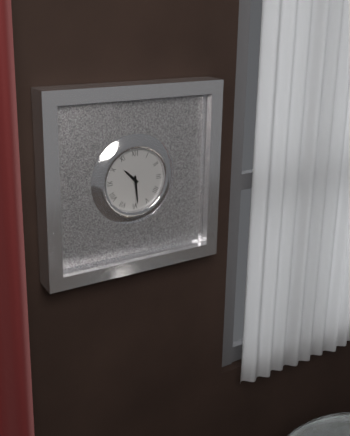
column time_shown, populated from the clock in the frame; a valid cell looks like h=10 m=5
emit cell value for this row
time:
h=10 m=29
